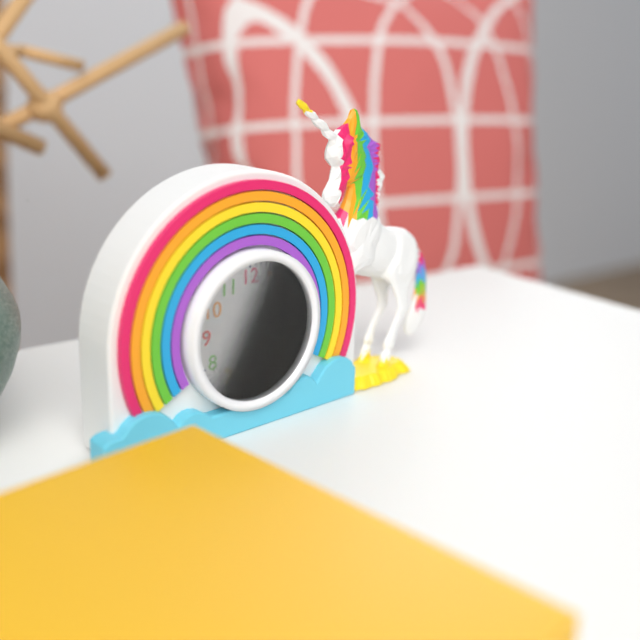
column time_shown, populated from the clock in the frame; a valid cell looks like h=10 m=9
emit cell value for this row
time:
h=3 m=34
